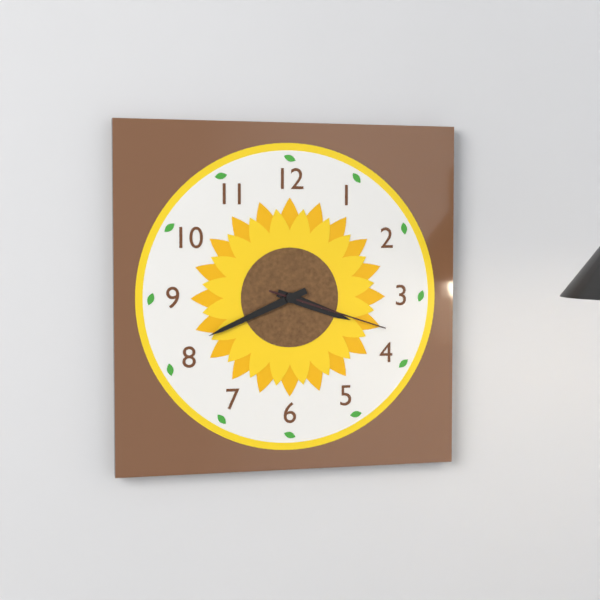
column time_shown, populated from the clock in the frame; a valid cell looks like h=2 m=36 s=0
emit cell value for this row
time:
h=3 m=41 s=18
